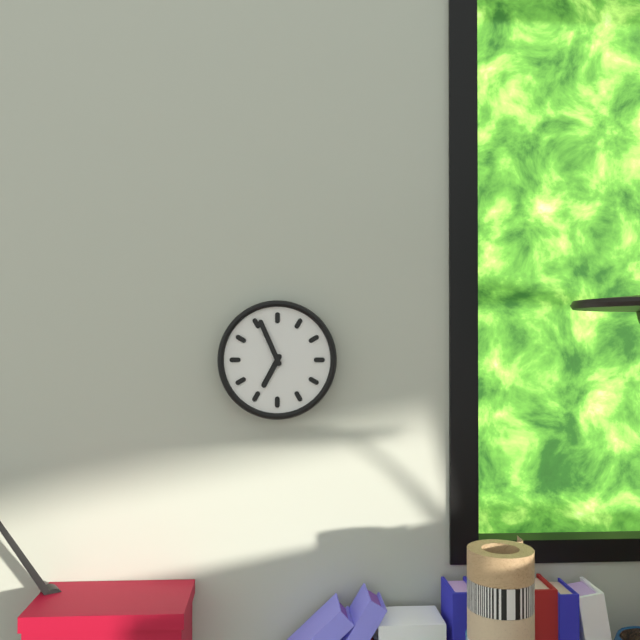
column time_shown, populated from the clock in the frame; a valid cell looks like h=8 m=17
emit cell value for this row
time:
h=6 m=56
